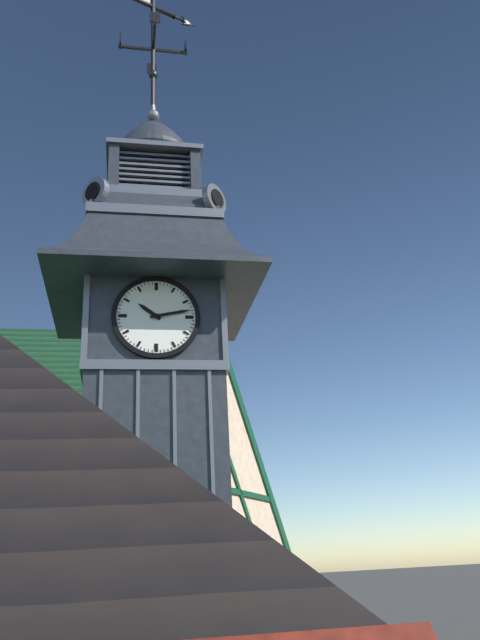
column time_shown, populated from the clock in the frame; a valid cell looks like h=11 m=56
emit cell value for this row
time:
h=10 m=13
